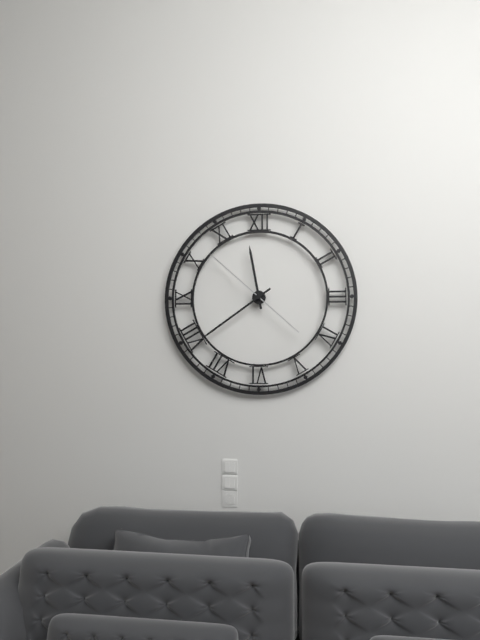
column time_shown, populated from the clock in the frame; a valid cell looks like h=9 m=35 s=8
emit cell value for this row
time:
h=11 m=39 s=52
